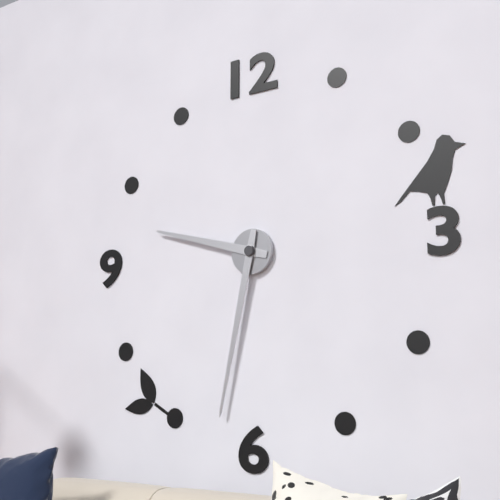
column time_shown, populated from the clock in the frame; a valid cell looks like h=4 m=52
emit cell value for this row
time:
h=9 m=32
